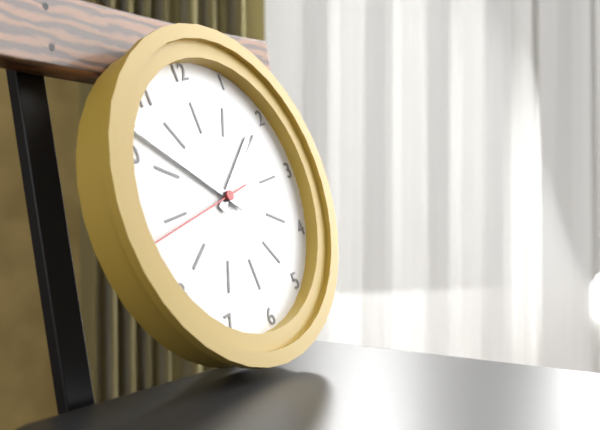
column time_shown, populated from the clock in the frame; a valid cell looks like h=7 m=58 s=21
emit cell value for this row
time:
h=1 m=52 s=44
